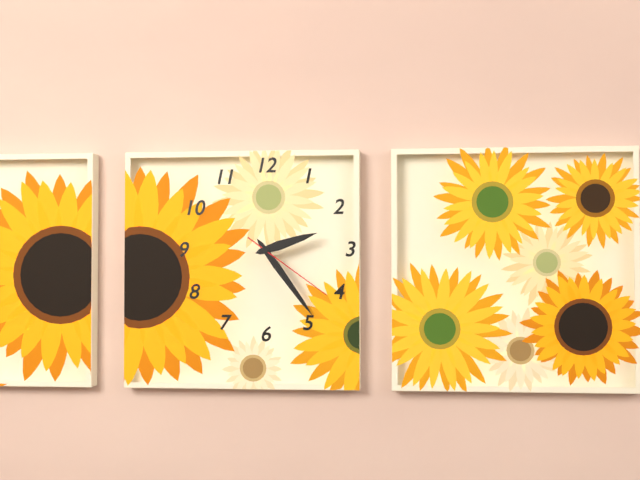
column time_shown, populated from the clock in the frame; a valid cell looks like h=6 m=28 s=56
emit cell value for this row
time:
h=2 m=24 s=21
